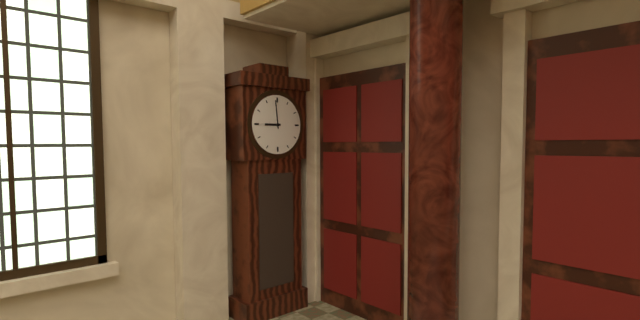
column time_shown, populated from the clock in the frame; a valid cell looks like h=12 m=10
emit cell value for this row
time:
h=8 m=59
